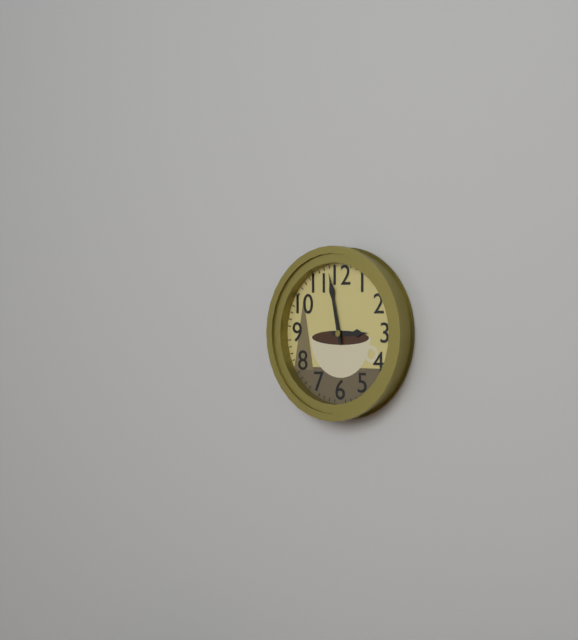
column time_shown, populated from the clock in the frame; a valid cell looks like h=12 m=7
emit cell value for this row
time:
h=2 m=58
